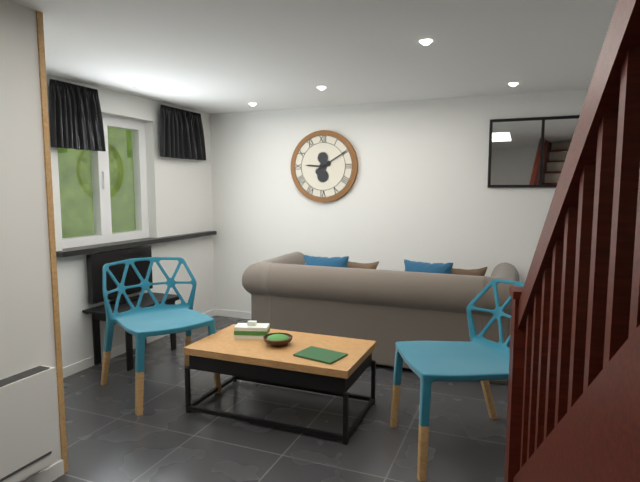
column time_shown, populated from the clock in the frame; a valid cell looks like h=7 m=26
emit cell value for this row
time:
h=9 m=10
